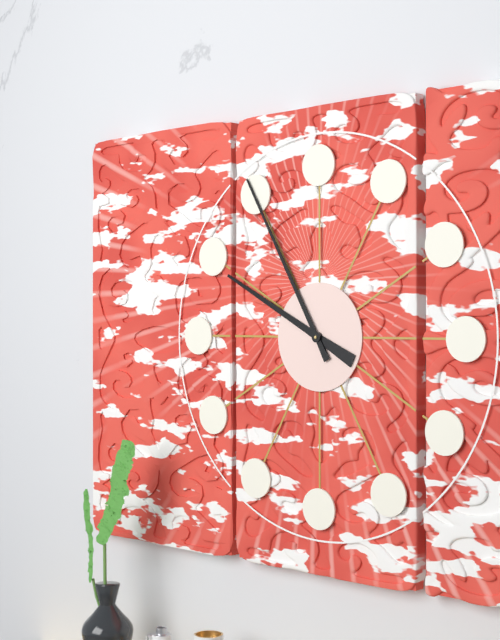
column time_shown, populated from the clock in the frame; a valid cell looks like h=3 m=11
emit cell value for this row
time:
h=9 m=55
